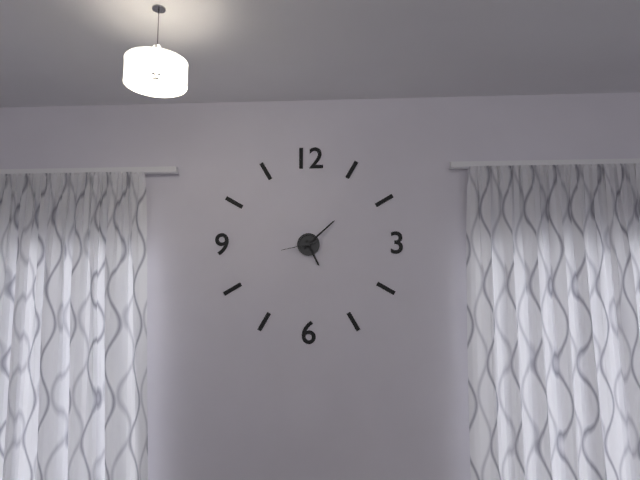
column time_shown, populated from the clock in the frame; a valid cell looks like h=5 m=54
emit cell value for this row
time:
h=5 m=8
